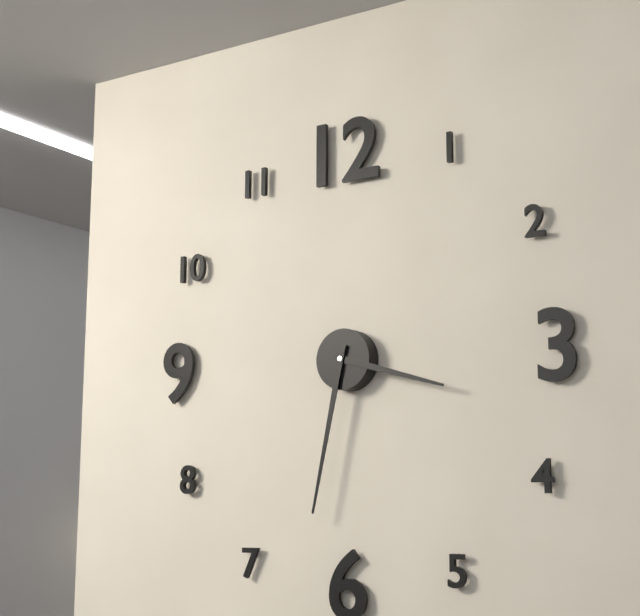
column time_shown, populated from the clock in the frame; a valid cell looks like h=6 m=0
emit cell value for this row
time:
h=3 m=32
